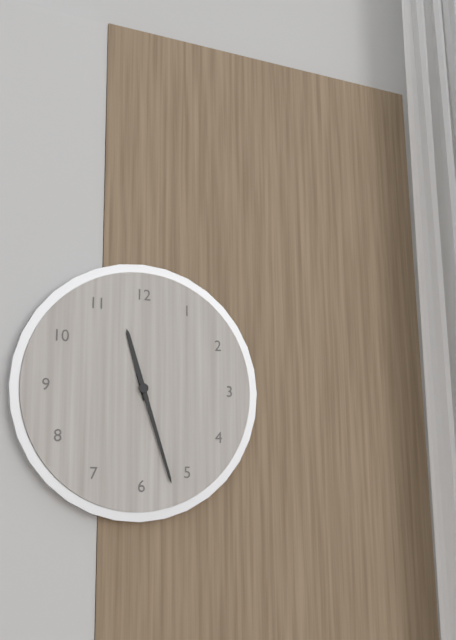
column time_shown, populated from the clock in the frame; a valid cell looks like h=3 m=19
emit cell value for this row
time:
h=11 m=27
